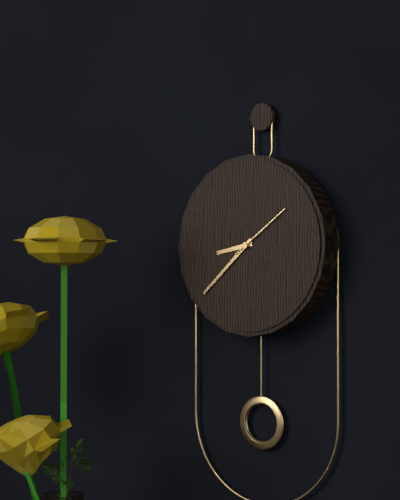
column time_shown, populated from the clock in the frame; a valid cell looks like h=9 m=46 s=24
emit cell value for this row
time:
h=8 m=38 s=9
